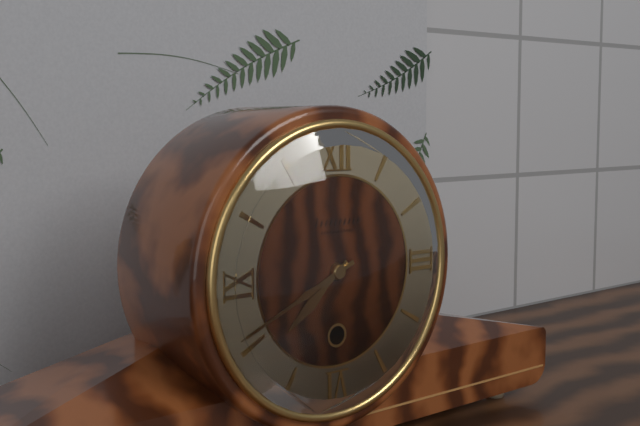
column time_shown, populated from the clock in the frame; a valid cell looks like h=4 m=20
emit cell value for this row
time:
h=7 m=41
